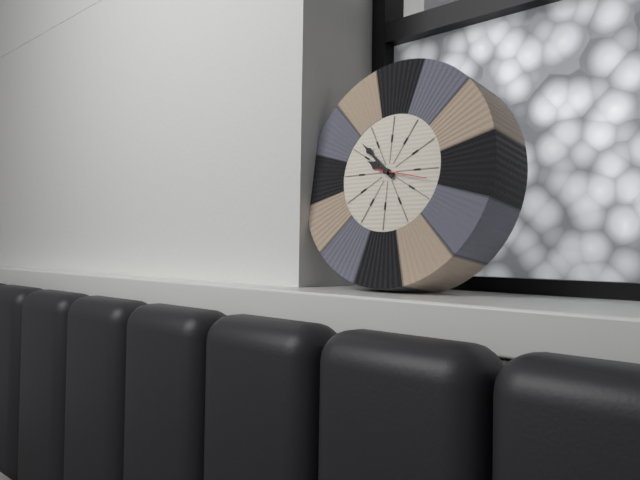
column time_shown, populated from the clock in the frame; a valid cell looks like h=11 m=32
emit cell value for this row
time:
h=9 m=52
